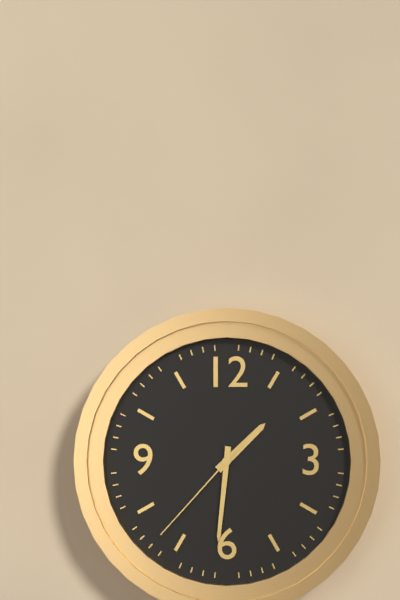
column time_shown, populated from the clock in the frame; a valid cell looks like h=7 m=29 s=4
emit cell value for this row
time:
h=1 m=31 s=37
